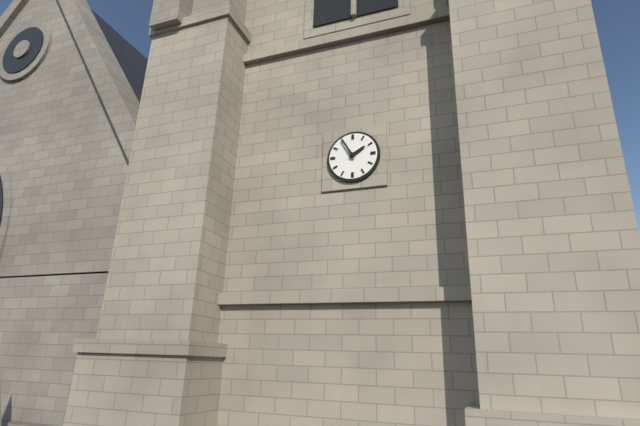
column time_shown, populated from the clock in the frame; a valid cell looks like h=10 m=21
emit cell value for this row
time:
h=1 m=55
